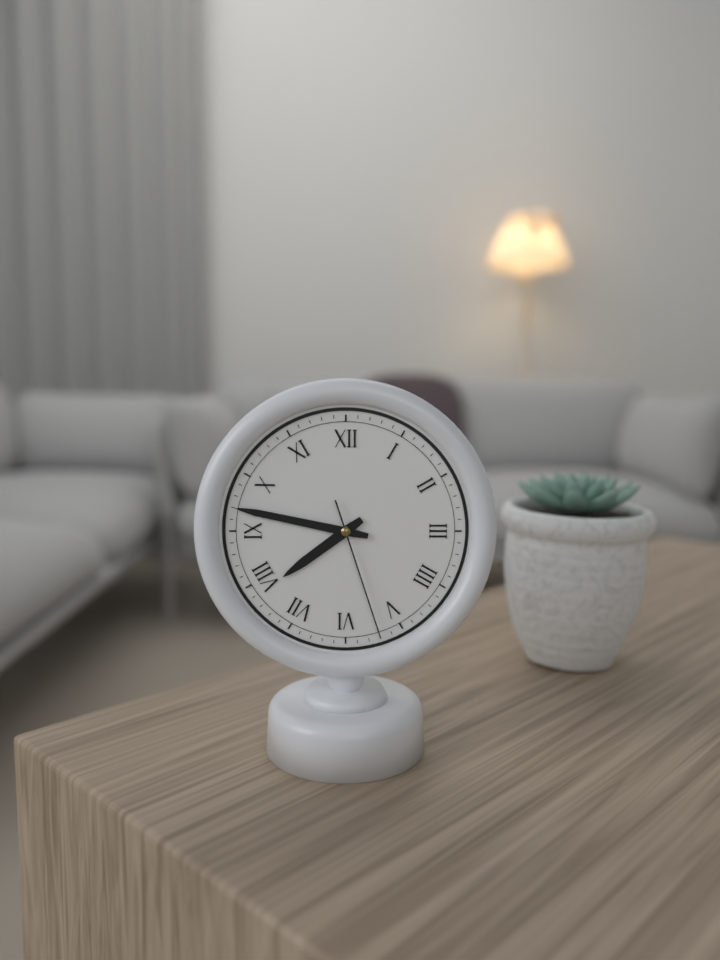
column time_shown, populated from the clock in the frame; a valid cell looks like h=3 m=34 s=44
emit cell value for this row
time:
h=7 m=47 s=27
